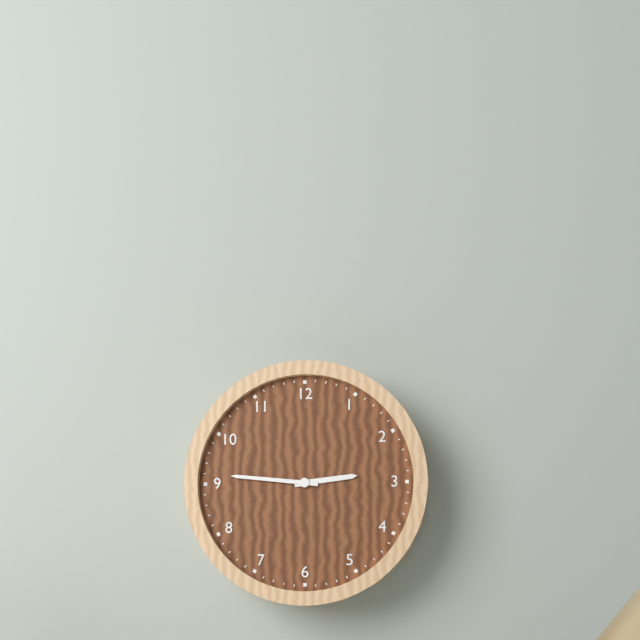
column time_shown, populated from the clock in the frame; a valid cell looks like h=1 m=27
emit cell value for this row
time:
h=2 m=46
